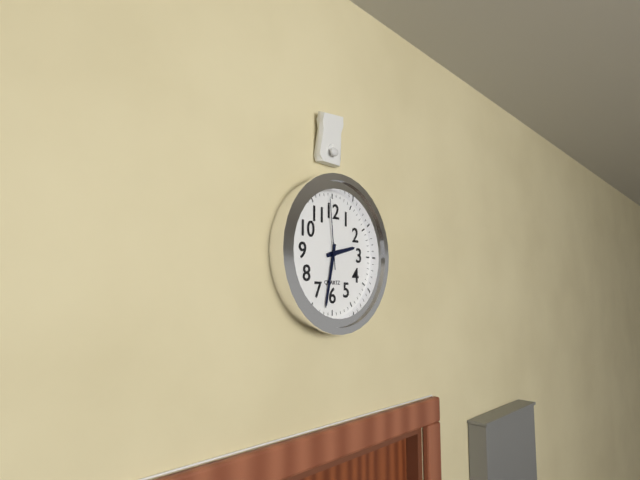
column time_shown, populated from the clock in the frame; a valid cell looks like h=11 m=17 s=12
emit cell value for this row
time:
h=2 m=32 s=59
